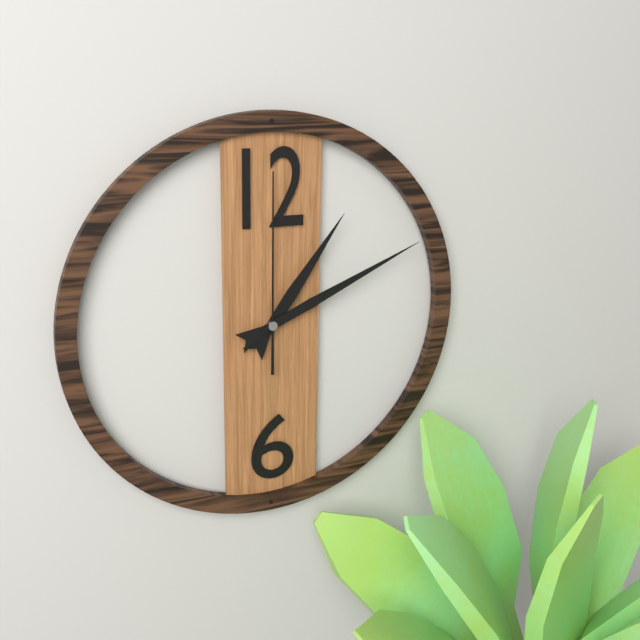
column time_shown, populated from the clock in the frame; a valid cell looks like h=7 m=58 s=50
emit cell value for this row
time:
h=1 m=11 s=0
